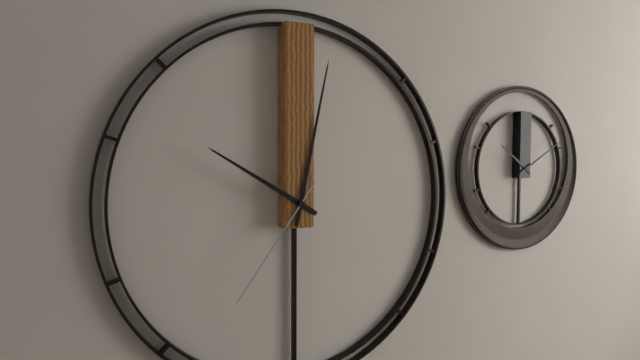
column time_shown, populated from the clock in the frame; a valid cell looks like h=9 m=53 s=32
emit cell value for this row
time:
h=10 m=2 s=36
